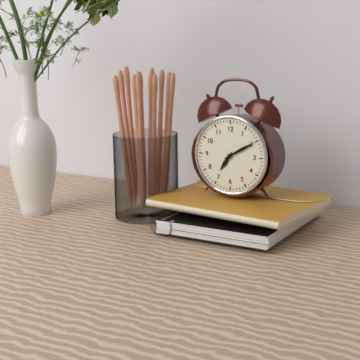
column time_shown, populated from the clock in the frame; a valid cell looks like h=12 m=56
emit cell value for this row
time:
h=7 m=10
